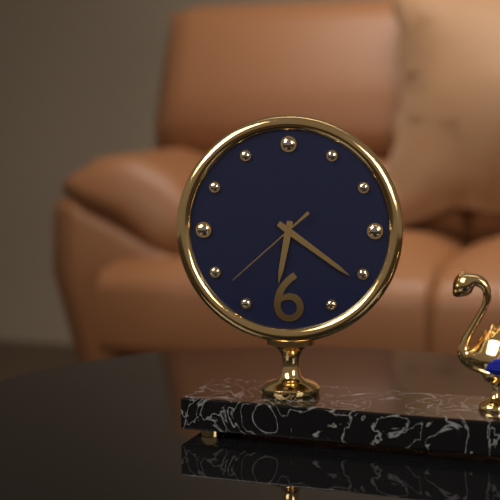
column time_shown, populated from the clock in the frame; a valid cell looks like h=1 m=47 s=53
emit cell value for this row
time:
h=6 m=21 s=38
